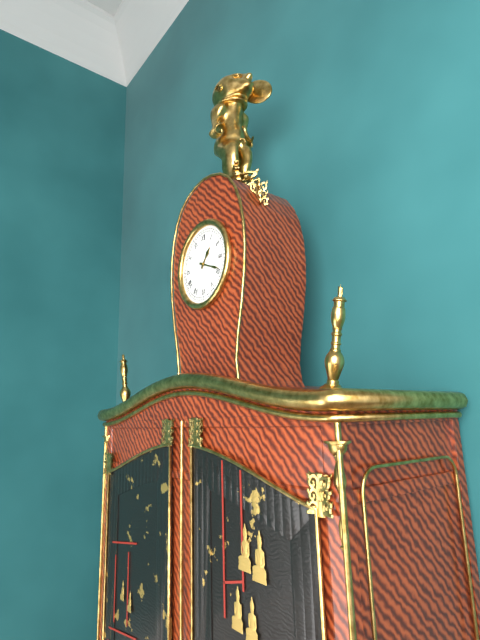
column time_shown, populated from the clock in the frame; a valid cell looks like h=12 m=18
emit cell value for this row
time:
h=1 m=19
